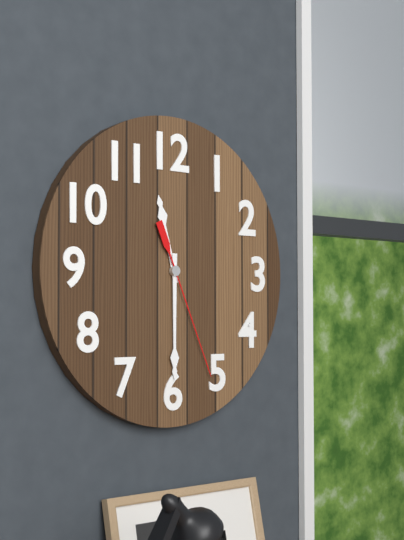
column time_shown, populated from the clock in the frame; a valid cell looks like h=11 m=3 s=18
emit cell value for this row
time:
h=11 m=30 s=26
